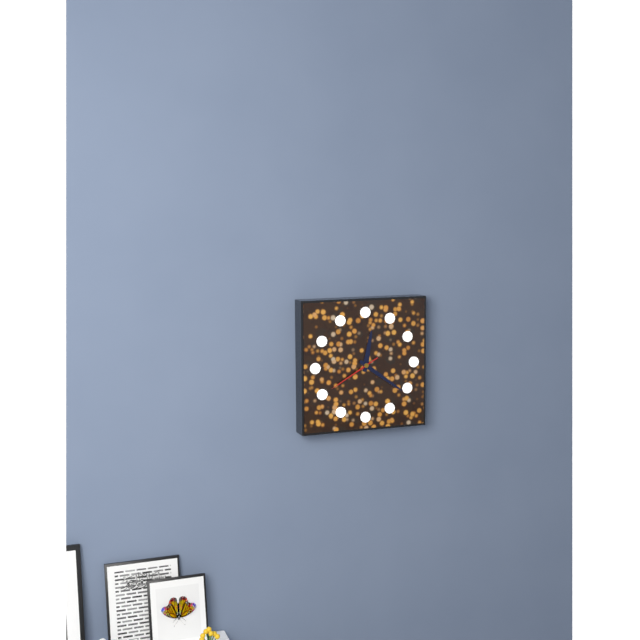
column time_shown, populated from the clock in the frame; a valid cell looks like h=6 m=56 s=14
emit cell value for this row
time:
h=12 m=21 s=40
